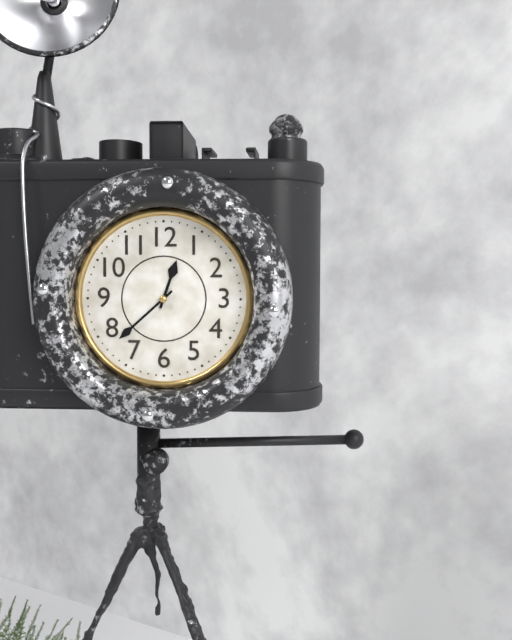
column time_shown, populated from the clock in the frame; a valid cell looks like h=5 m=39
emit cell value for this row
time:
h=12 m=38
